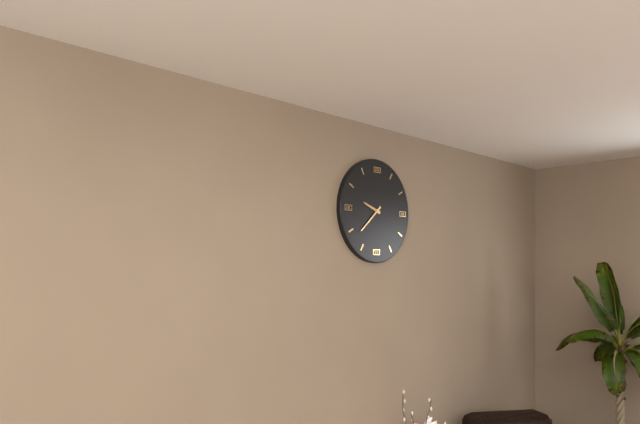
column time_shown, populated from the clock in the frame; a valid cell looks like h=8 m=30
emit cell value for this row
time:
h=9 m=38
